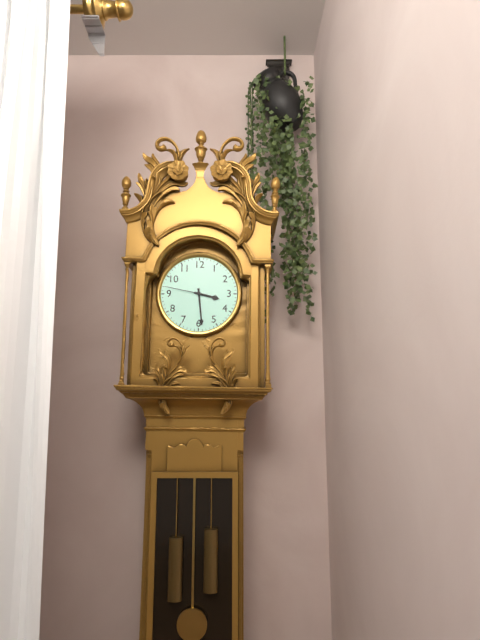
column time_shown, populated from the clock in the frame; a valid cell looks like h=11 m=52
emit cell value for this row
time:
h=3 m=29
